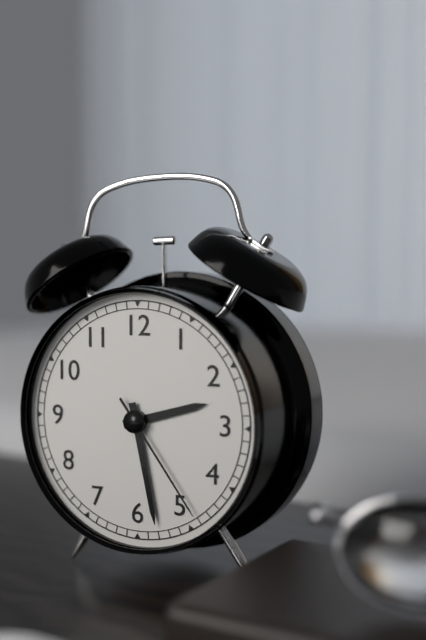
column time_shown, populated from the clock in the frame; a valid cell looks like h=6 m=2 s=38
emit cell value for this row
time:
h=2 m=28 s=24
